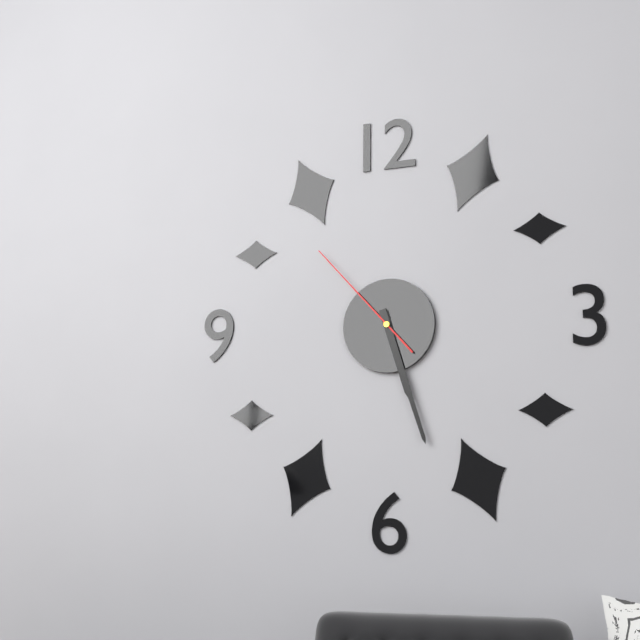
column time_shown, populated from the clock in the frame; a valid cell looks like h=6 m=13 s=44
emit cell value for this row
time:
h=5 m=27 s=53
